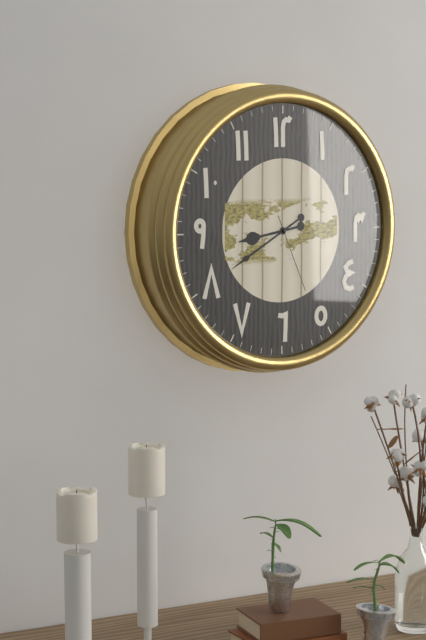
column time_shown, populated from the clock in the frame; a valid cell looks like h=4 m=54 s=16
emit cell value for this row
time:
h=8 m=40 s=26
